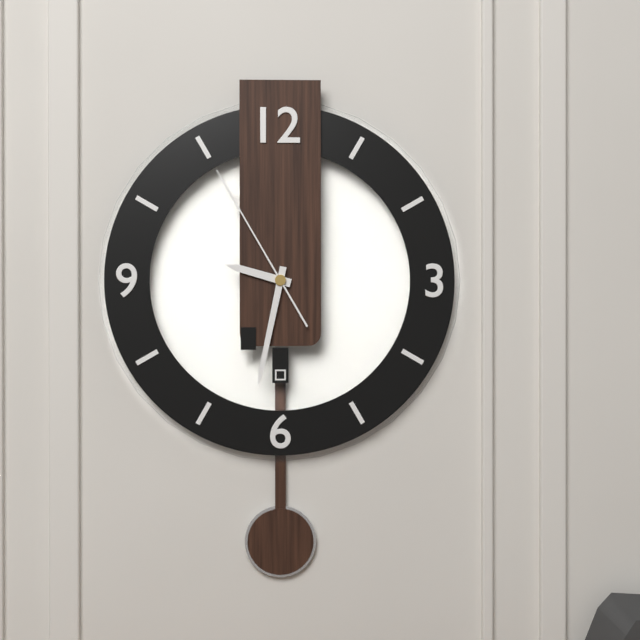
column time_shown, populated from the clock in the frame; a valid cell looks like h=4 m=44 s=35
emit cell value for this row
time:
h=9 m=32 s=55
